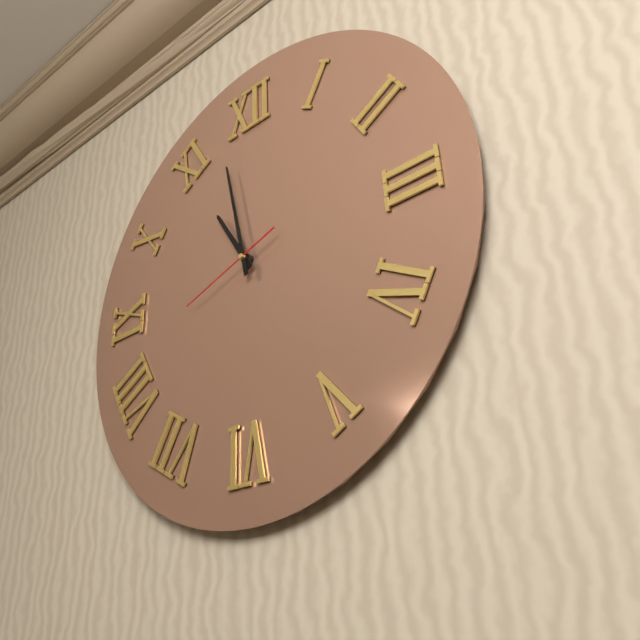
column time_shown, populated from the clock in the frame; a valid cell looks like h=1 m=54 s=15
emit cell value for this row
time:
h=10 m=58 s=42
